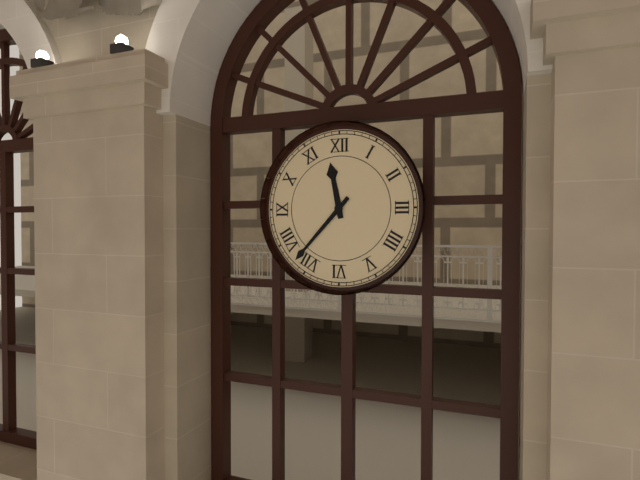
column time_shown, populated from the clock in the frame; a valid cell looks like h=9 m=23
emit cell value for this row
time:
h=11 m=37
